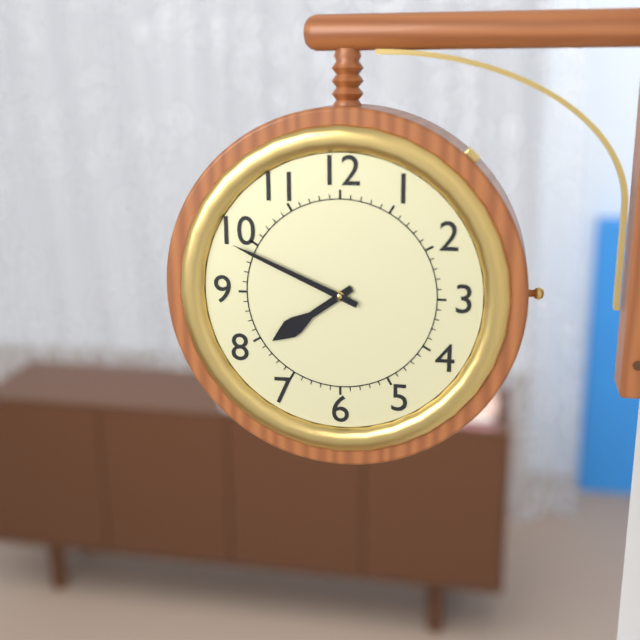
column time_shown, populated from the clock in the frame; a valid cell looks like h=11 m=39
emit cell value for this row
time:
h=7 m=49
